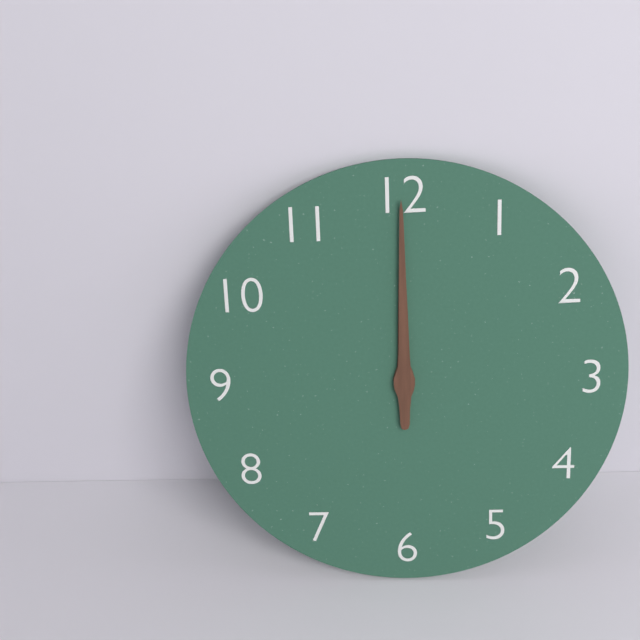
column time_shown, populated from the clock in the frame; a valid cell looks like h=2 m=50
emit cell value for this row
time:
h=12 m=0
